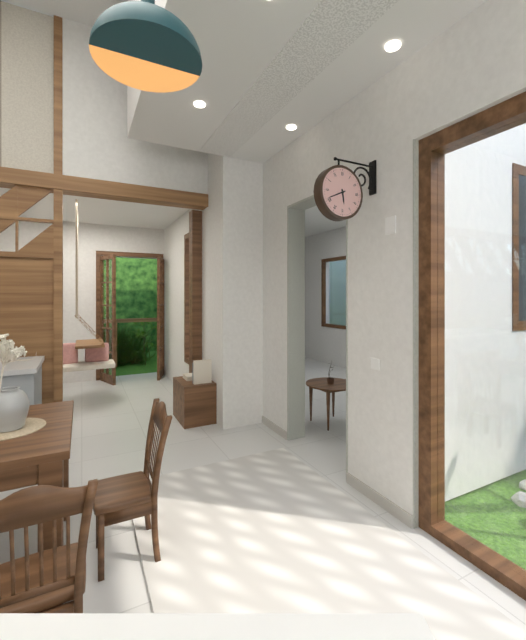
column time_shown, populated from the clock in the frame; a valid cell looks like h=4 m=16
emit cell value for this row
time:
h=5 m=41
